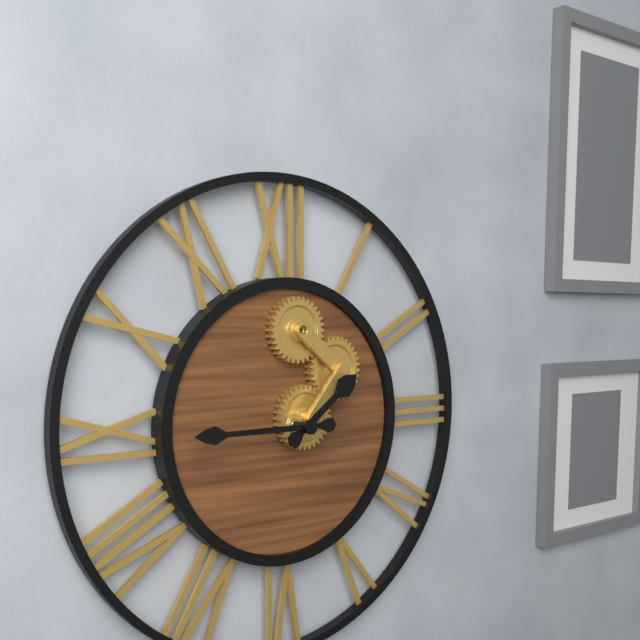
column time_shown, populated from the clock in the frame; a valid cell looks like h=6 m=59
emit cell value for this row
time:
h=1 m=45
